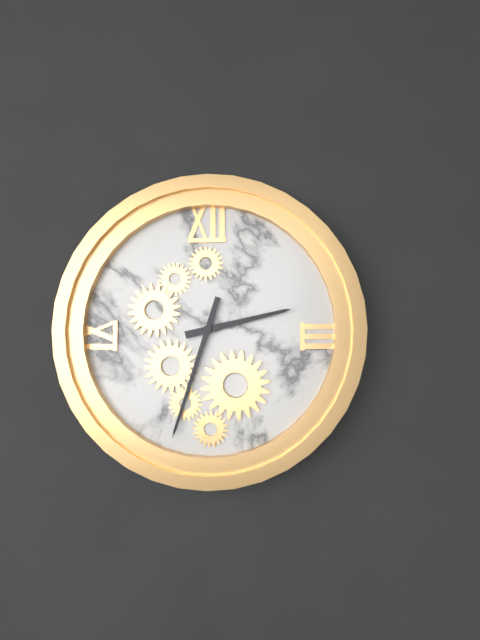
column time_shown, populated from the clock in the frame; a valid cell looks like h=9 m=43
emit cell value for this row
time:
h=2 m=33
